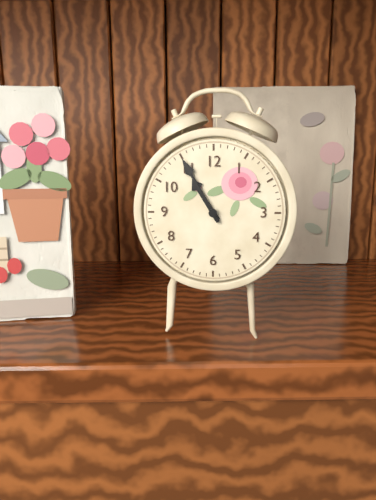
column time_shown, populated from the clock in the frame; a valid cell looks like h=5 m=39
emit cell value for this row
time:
h=10 m=55
